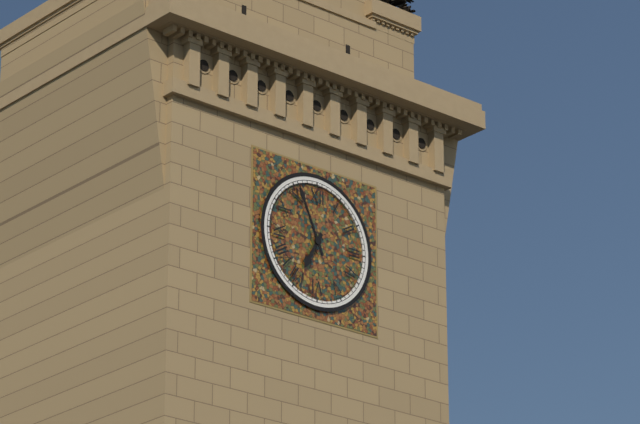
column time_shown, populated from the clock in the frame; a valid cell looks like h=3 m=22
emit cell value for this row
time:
h=6 m=56
